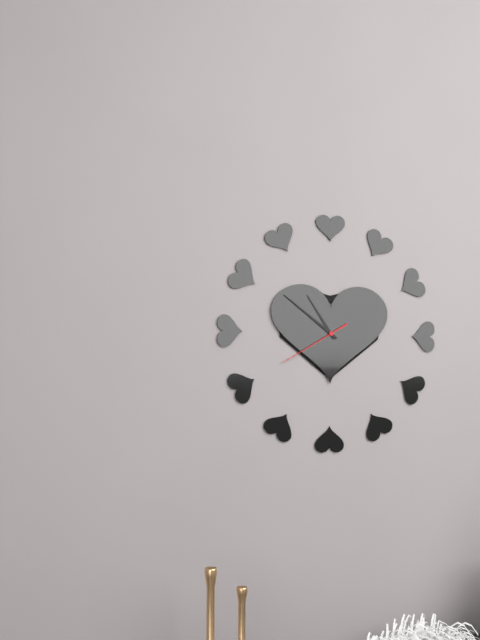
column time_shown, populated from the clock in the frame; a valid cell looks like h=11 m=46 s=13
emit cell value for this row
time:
h=10 m=51 s=40
